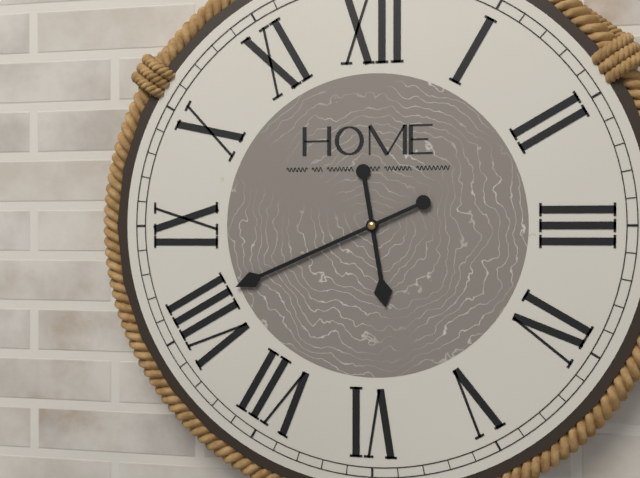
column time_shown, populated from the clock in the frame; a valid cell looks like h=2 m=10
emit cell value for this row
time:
h=5 m=41
